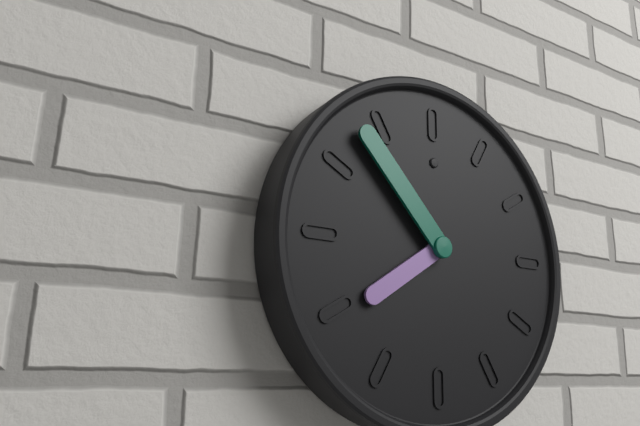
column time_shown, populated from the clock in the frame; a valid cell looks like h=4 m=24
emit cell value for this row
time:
h=7 m=53
